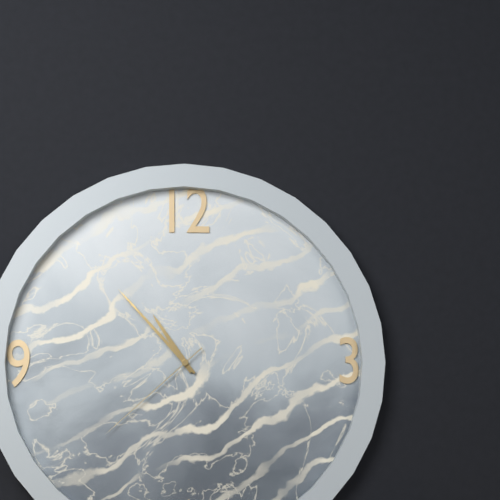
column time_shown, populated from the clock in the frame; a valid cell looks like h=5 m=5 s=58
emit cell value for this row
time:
h=10 m=53 s=38
